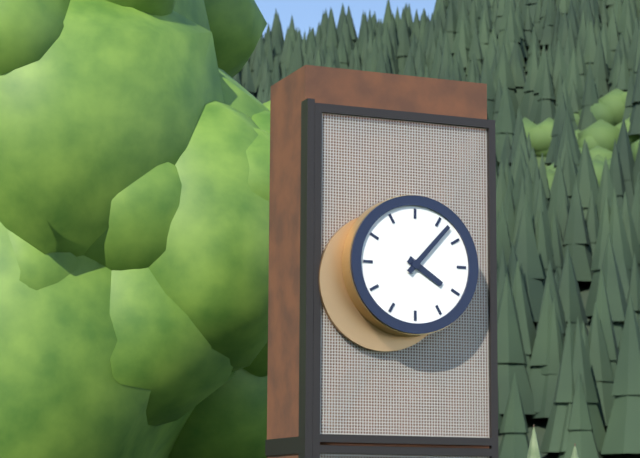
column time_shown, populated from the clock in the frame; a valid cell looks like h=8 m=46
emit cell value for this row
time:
h=4 m=7
